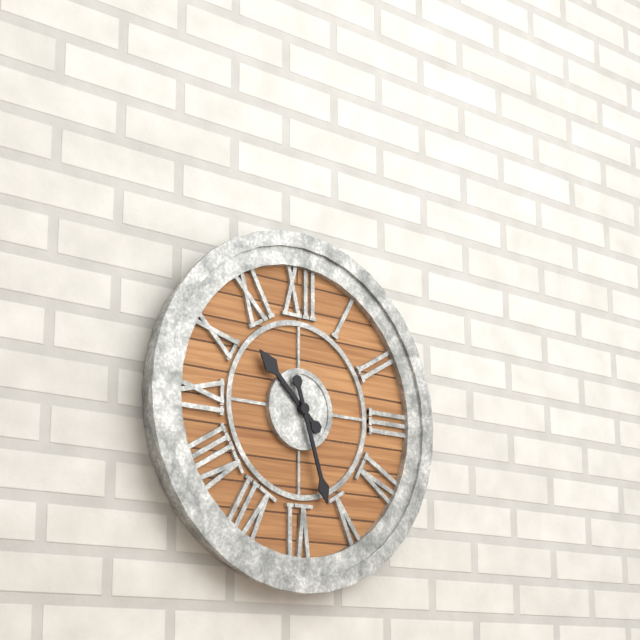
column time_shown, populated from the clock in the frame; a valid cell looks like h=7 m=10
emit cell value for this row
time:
h=10 m=27
